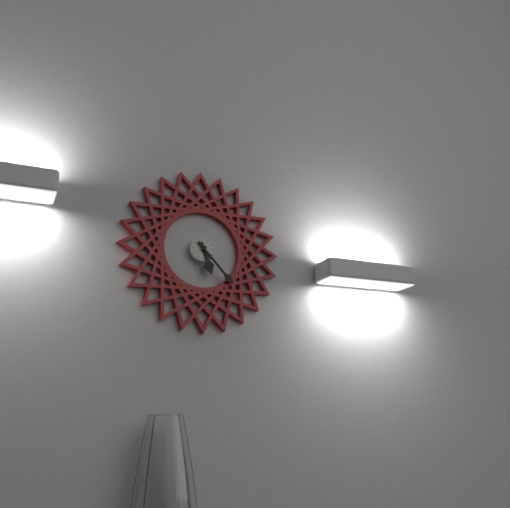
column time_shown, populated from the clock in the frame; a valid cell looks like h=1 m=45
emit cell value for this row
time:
h=5 m=23
